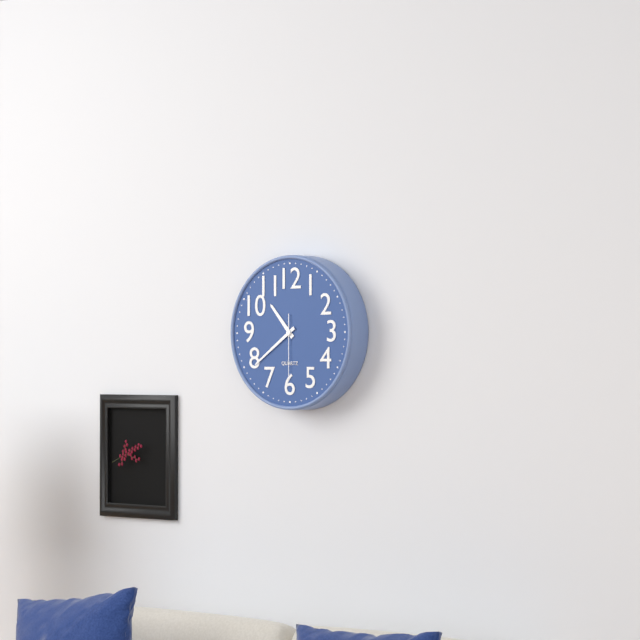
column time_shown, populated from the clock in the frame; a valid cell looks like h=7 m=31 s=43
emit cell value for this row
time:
h=10 m=39 s=30
